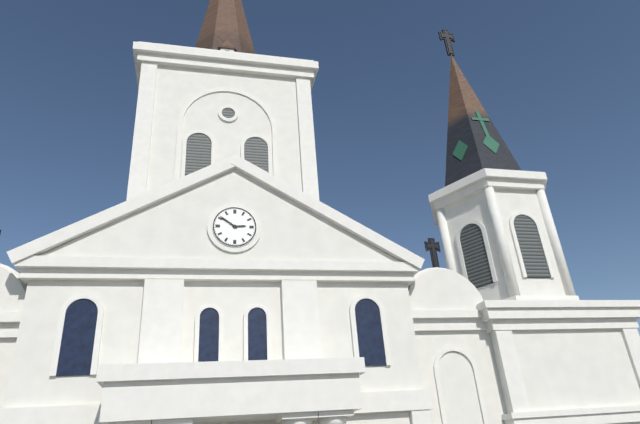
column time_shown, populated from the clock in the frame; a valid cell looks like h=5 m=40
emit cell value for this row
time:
h=2 m=51
